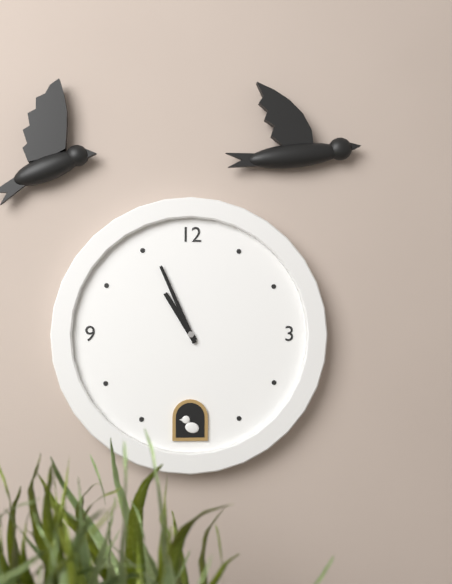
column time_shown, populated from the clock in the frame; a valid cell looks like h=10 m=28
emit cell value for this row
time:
h=10 m=56
